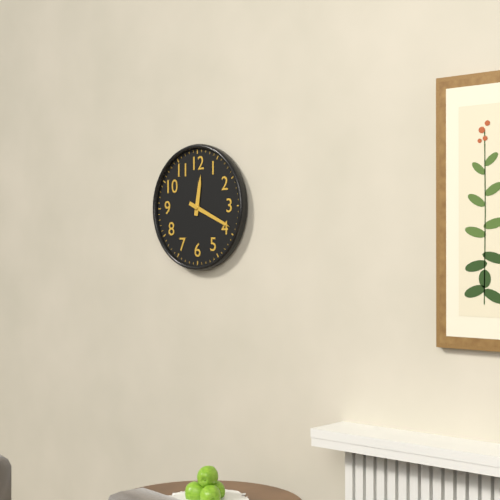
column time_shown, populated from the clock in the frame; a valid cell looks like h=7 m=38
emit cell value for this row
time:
h=12 m=19
